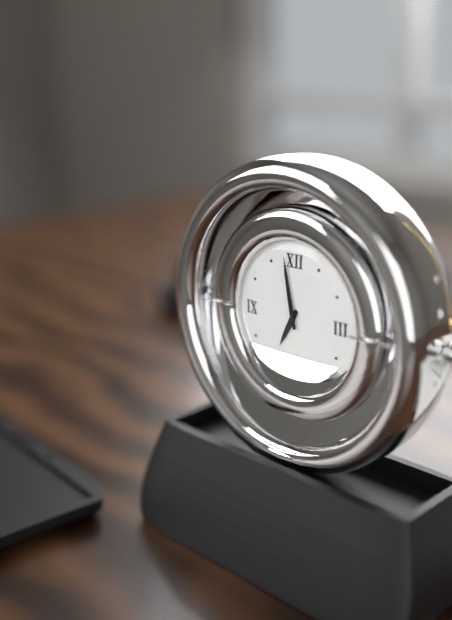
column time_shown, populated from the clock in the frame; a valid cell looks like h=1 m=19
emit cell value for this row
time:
h=6 m=58
